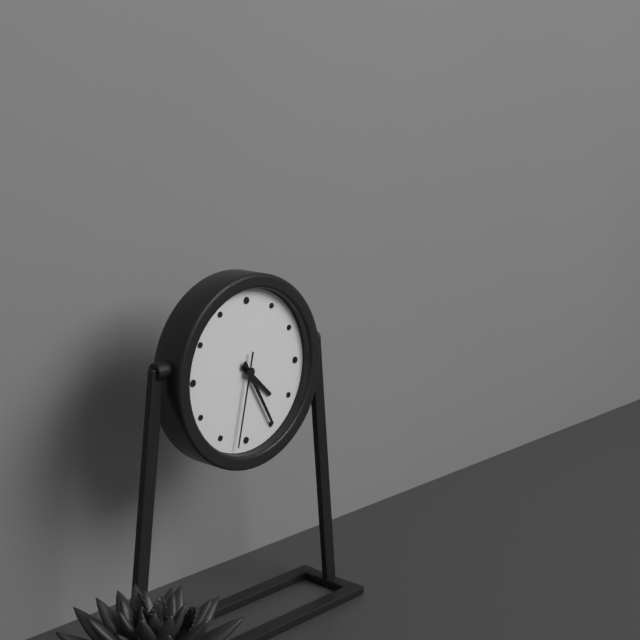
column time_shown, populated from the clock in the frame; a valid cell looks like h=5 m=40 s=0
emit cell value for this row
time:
h=4 m=25 s=32
